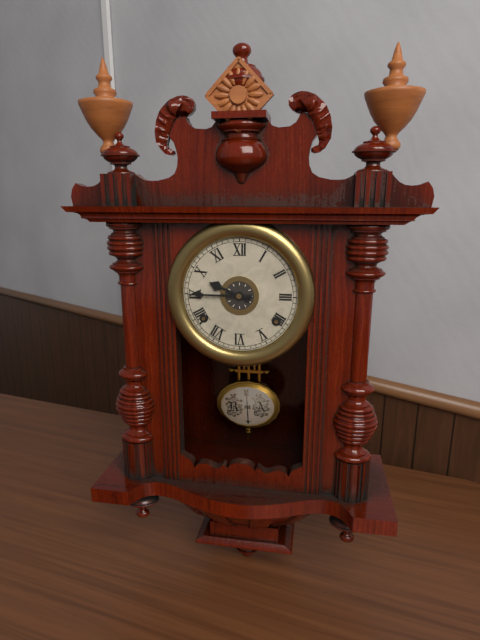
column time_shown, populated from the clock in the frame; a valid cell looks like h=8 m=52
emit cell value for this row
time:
h=9 m=45
